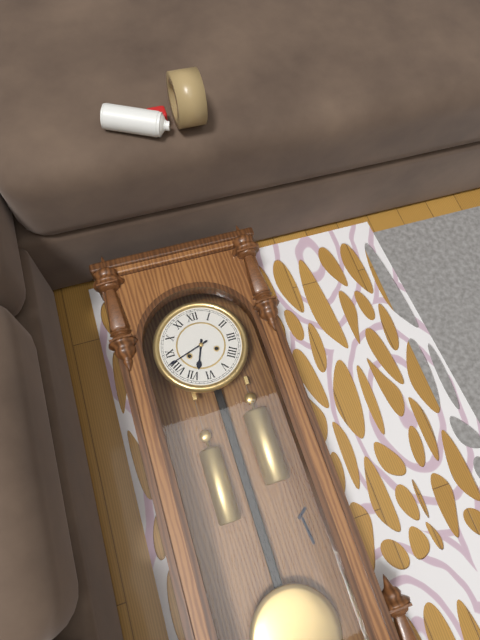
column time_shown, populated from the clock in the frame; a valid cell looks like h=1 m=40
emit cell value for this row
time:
h=6 m=42
